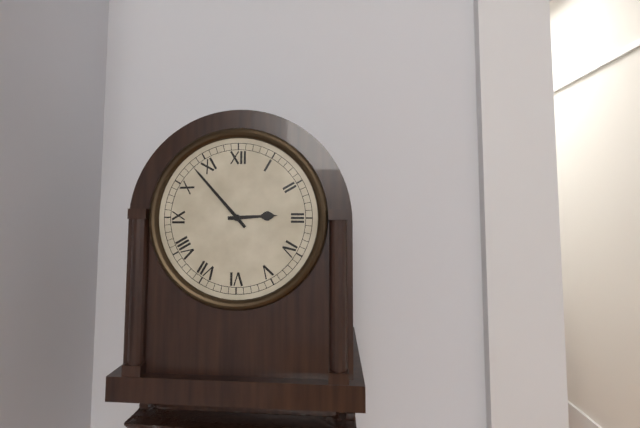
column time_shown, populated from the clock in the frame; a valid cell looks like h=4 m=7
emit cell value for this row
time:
h=2 m=53
